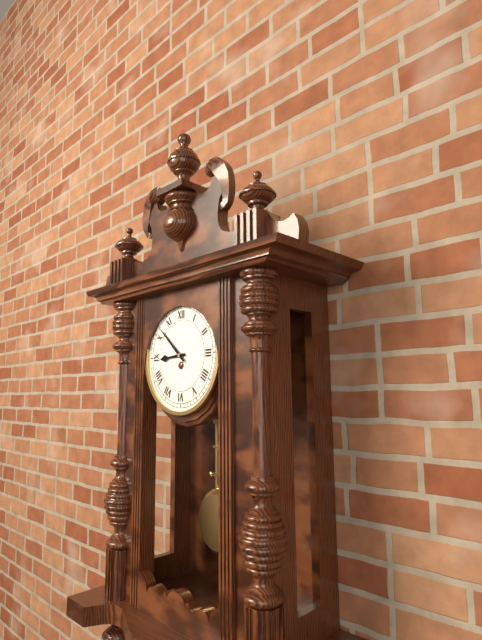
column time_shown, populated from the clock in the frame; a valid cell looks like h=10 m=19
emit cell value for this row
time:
h=8 m=52
